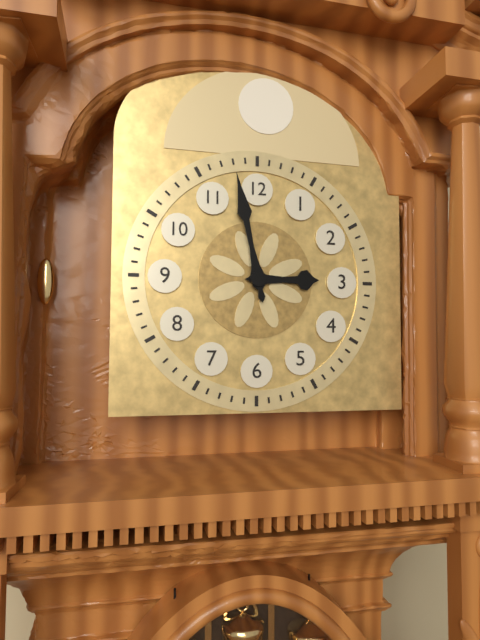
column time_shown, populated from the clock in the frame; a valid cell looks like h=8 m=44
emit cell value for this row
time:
h=2 m=58
